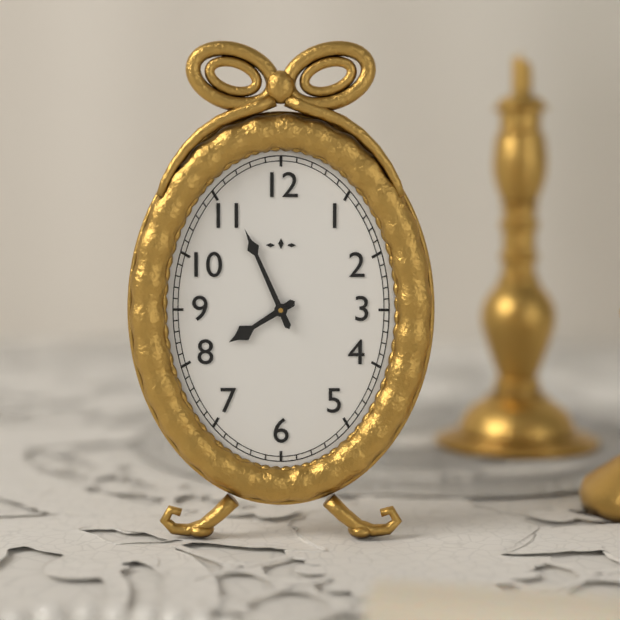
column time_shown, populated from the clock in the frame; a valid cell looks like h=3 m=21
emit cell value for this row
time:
h=7 m=56
